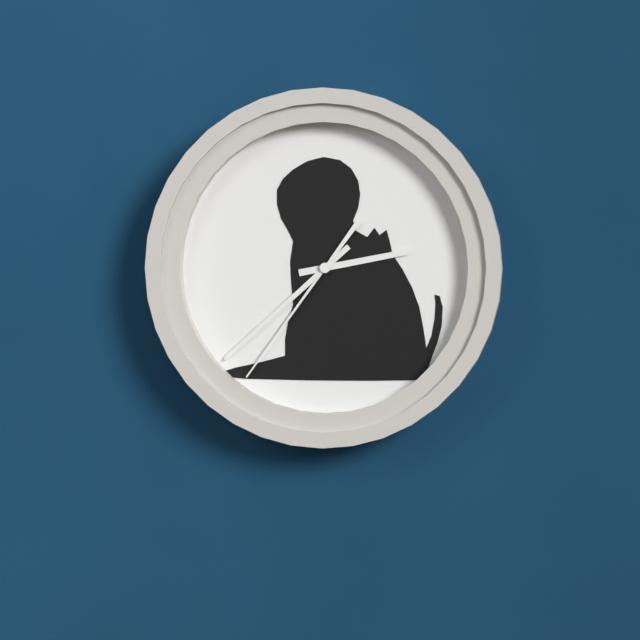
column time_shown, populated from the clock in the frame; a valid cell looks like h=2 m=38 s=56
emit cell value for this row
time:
h=2 m=38 s=36
